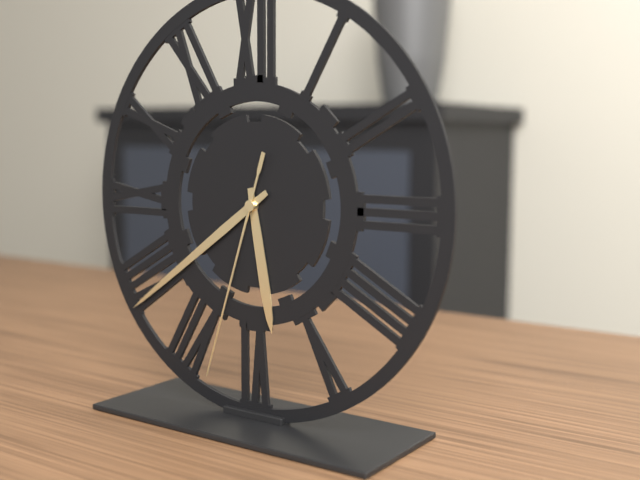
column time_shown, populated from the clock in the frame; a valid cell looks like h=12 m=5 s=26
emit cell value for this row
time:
h=5 m=39 s=33
